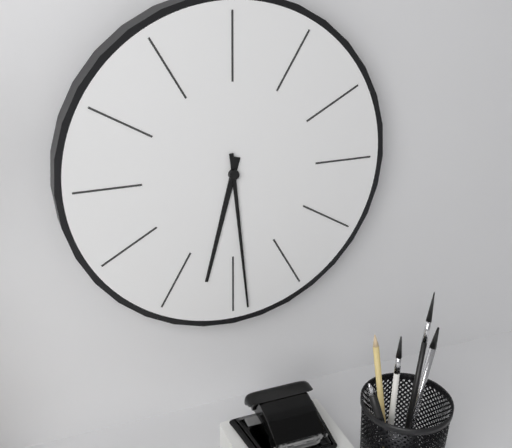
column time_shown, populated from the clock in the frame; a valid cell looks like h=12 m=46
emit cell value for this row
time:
h=6 m=29
